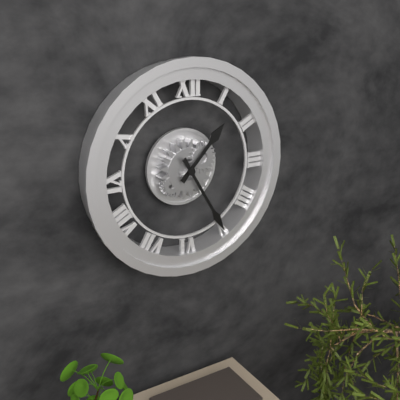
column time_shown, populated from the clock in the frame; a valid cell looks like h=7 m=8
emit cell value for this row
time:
h=1 m=25
